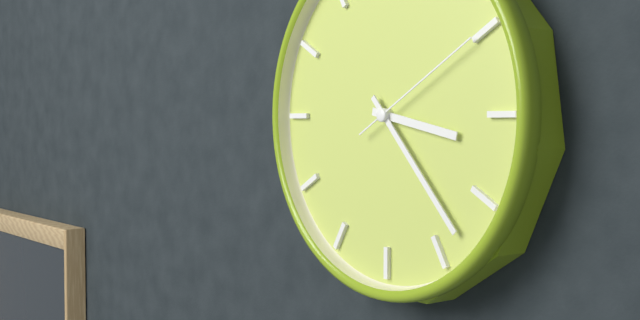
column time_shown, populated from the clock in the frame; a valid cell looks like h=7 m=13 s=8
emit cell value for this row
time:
h=3 m=23 s=10
